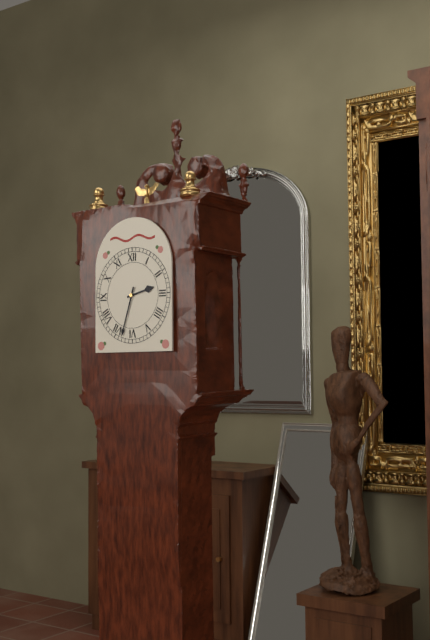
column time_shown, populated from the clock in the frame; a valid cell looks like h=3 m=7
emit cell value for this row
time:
h=2 m=33
